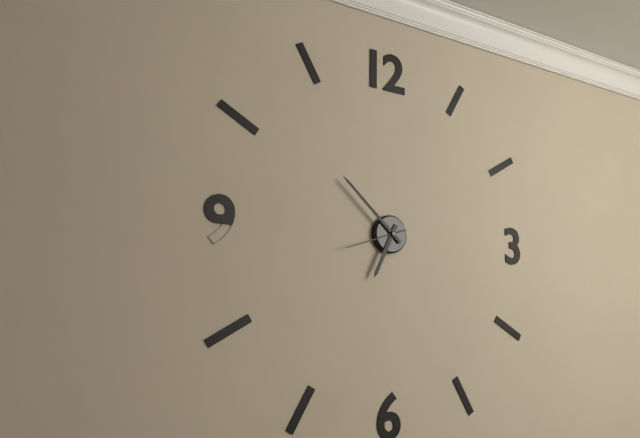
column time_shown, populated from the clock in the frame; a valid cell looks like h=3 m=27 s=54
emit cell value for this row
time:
h=6 m=52 s=42
